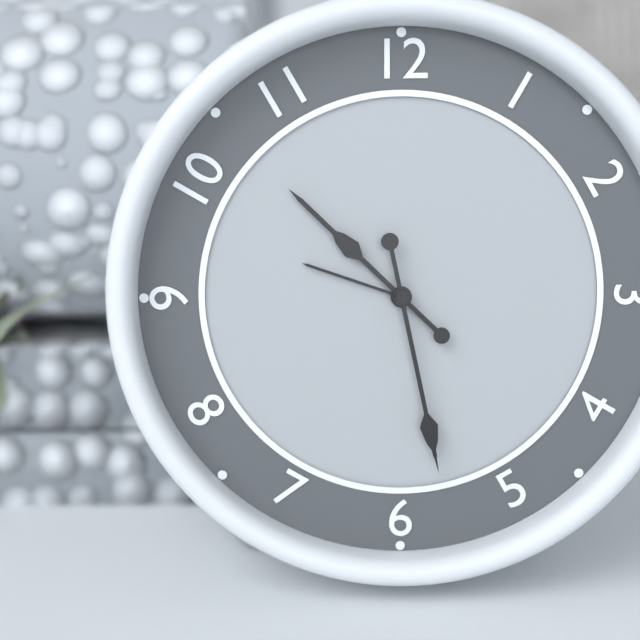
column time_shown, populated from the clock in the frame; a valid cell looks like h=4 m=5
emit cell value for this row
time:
h=10 m=28
